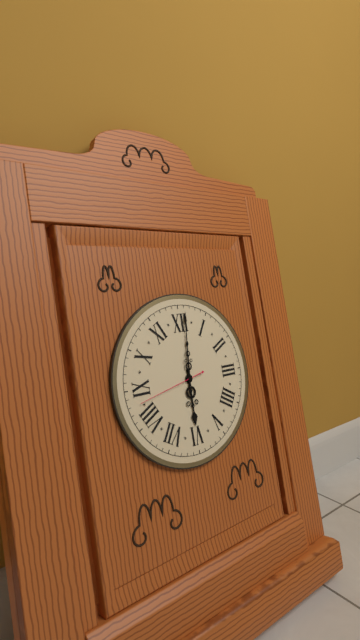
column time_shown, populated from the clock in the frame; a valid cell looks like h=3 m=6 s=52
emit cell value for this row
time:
h=6 m=1 s=43
